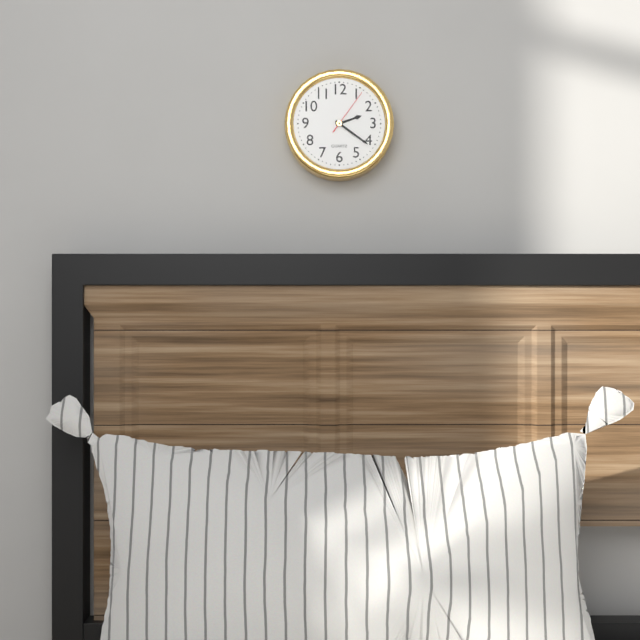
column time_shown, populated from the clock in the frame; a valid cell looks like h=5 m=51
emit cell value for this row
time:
h=2 m=21
